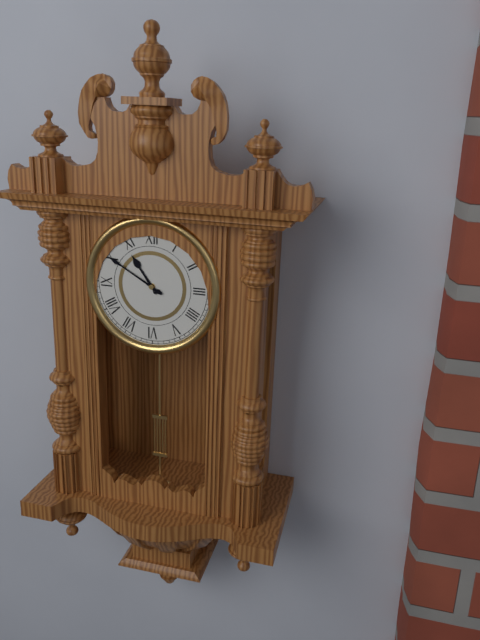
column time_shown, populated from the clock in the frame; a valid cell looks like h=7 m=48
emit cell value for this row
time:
h=10 m=50
